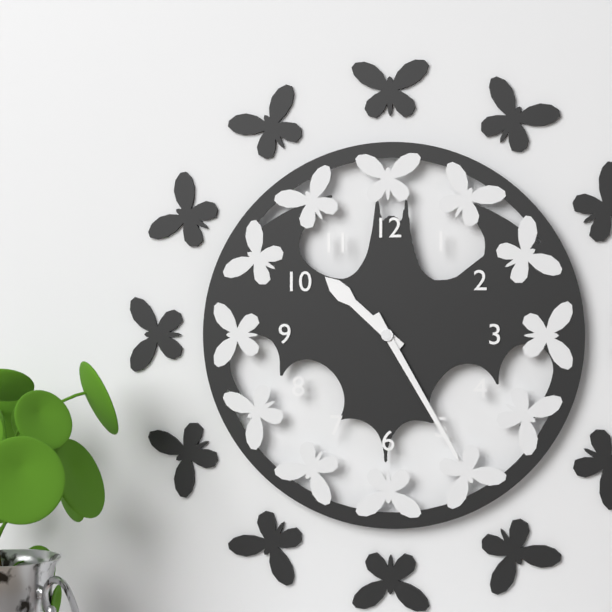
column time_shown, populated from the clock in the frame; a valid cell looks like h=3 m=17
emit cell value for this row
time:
h=10 m=25
